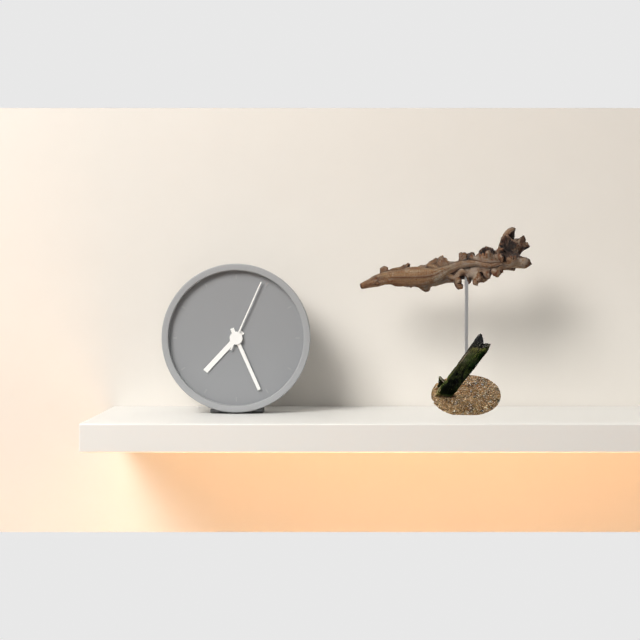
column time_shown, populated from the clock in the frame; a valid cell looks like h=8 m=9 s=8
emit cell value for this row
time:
h=7 m=26 s=4
